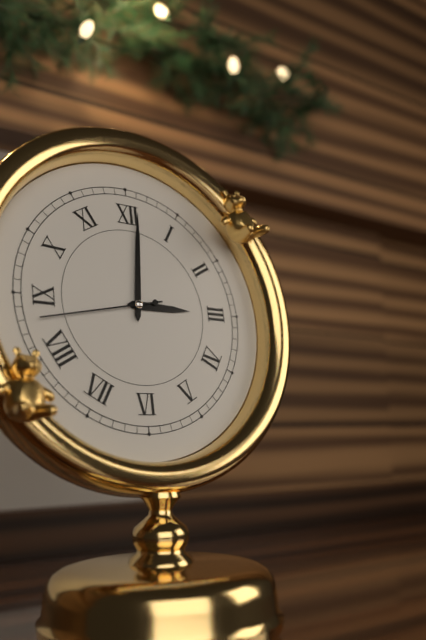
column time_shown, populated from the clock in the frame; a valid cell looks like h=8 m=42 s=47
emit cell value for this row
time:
h=3 m=1 s=43
